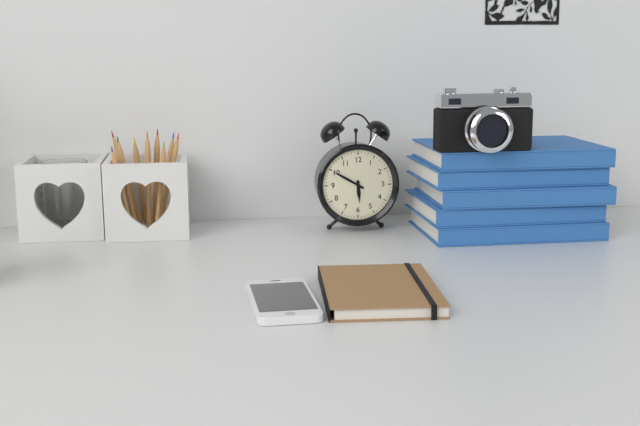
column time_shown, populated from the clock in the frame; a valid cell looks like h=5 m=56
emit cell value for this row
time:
h=5 m=50
